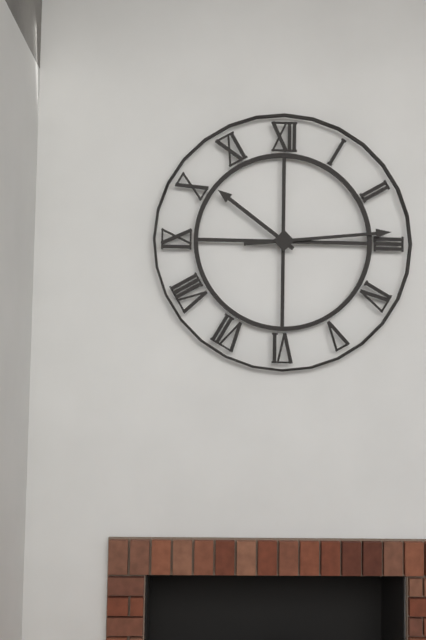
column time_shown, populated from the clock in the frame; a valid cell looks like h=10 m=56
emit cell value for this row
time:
h=10 m=14
